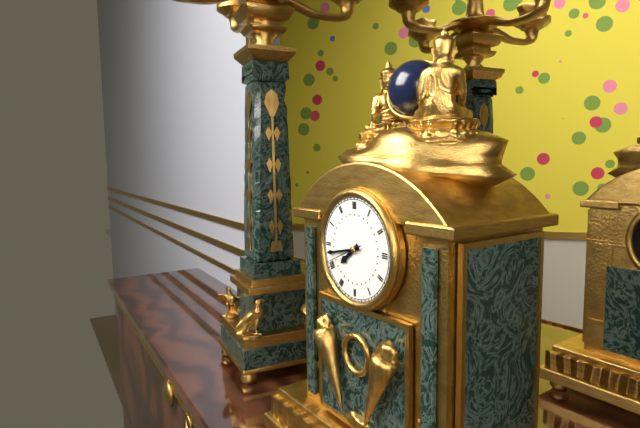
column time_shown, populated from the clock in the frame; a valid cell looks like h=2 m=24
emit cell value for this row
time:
h=7 m=43
